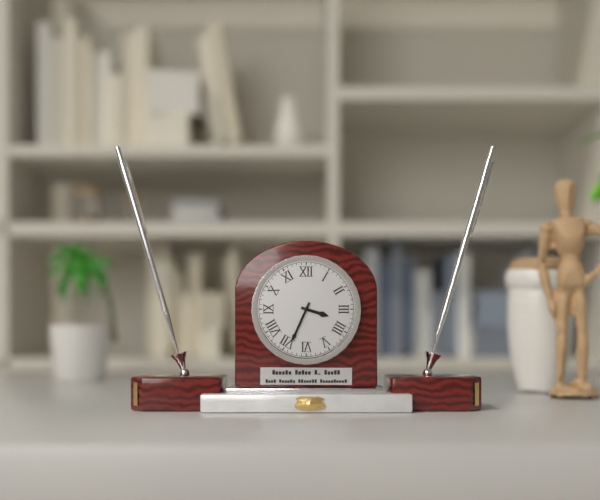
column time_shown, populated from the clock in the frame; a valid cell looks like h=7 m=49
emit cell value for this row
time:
h=3 m=34
